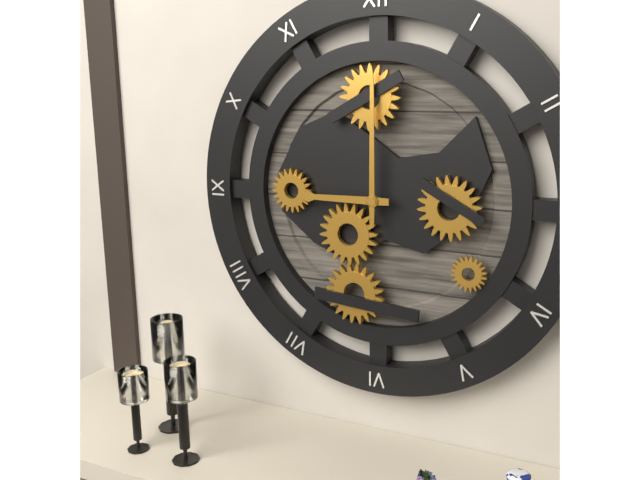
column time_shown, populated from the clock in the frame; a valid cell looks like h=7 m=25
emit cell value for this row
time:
h=9 m=0
